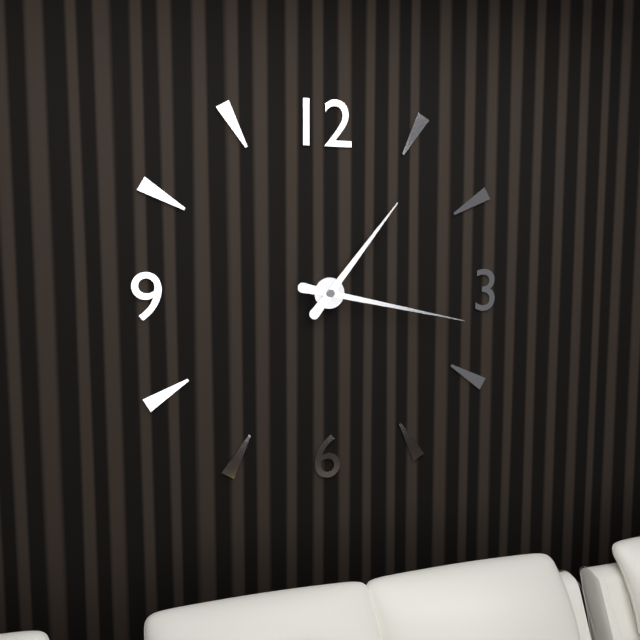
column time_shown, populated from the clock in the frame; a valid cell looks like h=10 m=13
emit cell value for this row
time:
h=1 m=17
